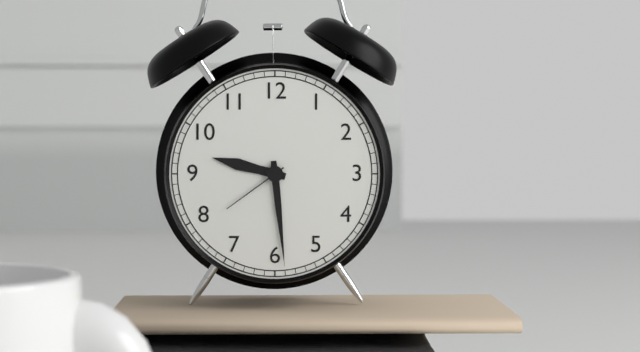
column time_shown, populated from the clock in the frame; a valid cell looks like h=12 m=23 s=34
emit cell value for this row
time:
h=9 m=29 s=39
